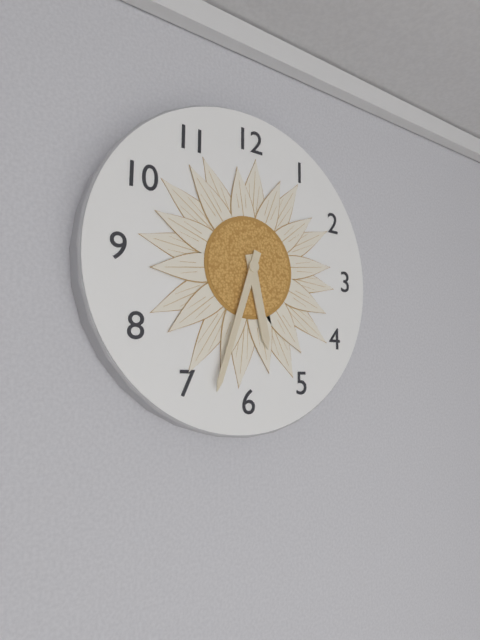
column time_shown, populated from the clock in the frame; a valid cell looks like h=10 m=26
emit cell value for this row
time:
h=5 m=33
